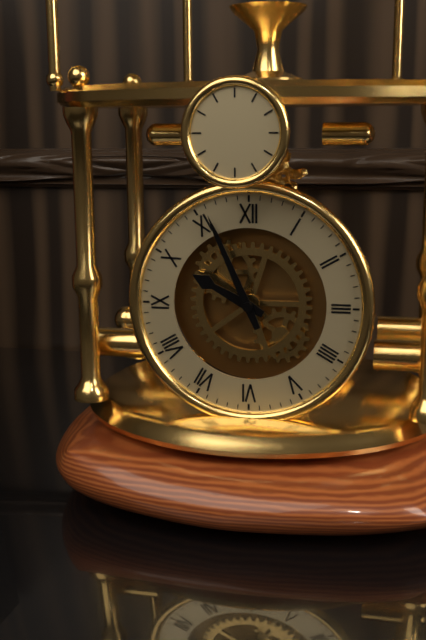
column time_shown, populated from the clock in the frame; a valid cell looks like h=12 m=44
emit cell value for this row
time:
h=9 m=56
